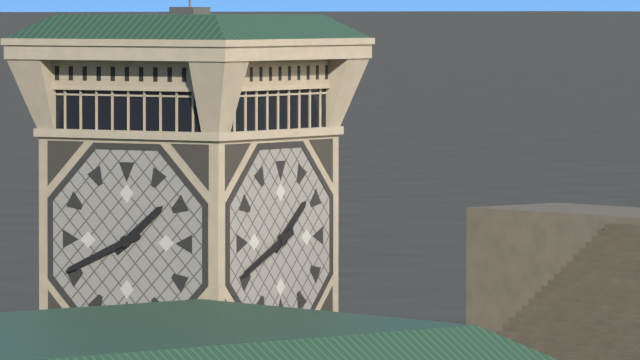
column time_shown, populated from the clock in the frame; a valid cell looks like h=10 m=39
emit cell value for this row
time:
h=1 m=41
